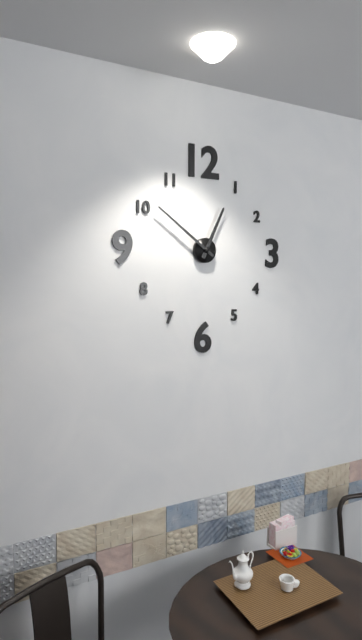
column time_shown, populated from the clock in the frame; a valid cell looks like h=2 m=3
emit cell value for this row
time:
h=12 m=51
